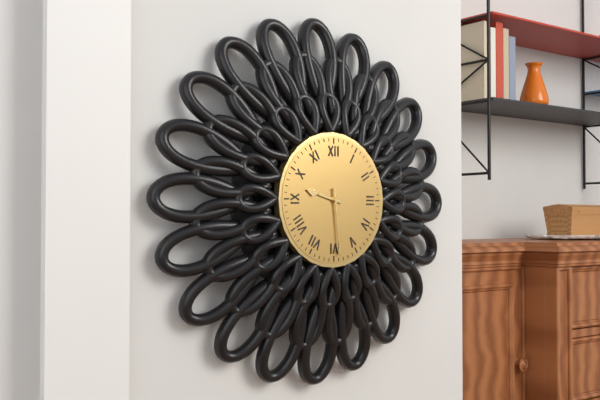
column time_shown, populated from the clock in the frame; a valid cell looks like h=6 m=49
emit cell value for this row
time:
h=9 m=29
